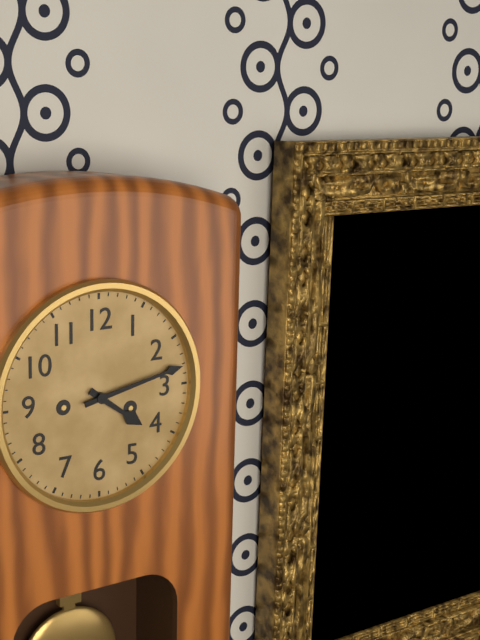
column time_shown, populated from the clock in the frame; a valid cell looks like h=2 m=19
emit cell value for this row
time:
h=4 m=13
